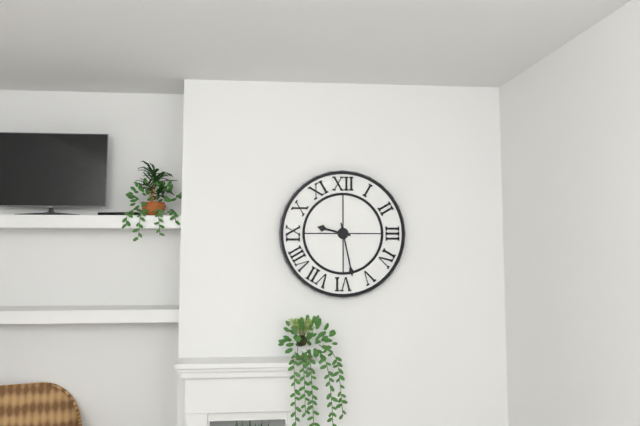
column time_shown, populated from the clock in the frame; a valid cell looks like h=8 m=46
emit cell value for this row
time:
h=9 m=28
